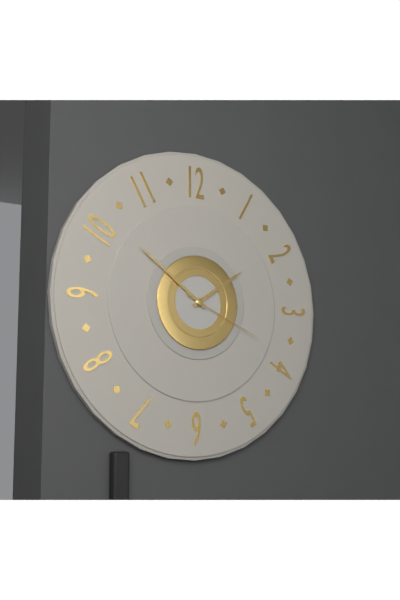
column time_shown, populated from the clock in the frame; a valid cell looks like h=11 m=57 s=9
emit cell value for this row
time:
h=1 m=51 s=19
